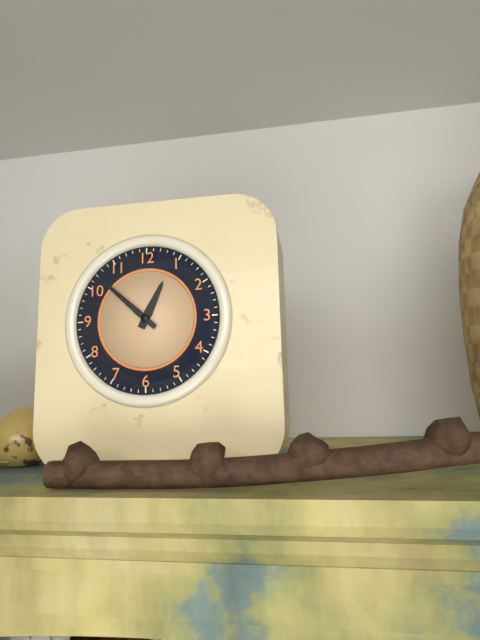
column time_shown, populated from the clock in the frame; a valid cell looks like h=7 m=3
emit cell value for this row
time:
h=12 m=52
